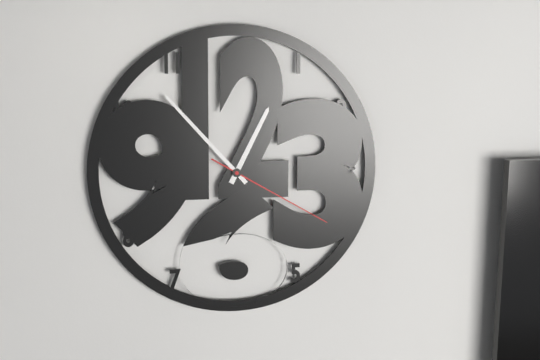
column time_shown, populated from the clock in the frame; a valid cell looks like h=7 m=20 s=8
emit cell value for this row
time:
h=12 m=53 s=20
